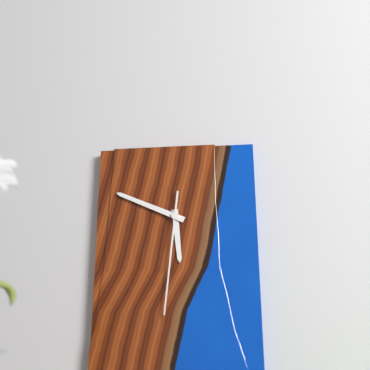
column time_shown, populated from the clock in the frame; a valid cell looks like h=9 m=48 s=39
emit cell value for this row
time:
h=5 m=49 s=31
